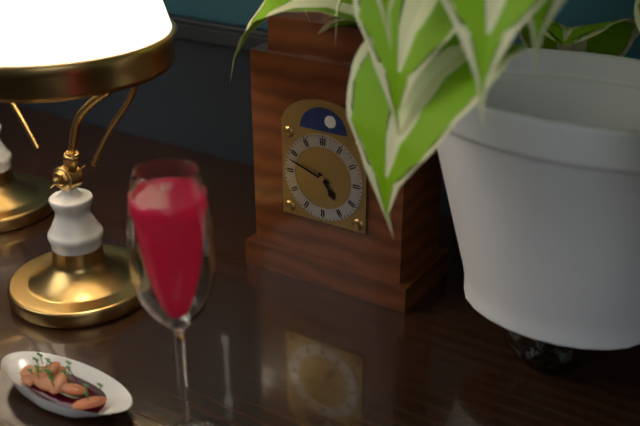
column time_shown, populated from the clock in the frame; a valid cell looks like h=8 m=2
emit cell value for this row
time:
h=4 m=48
